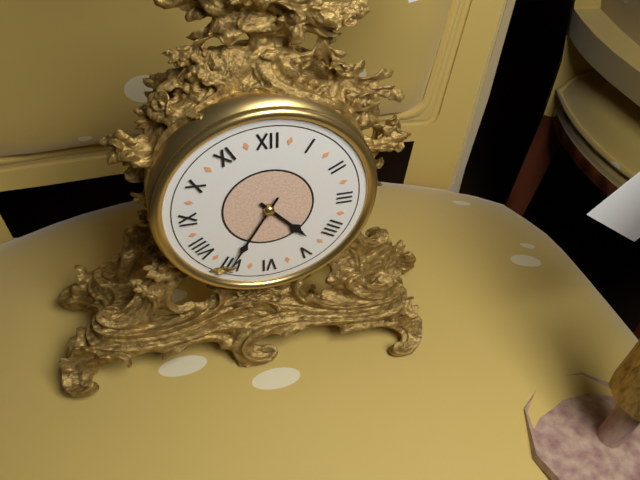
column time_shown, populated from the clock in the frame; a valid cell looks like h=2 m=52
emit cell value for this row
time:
h=4 m=35
